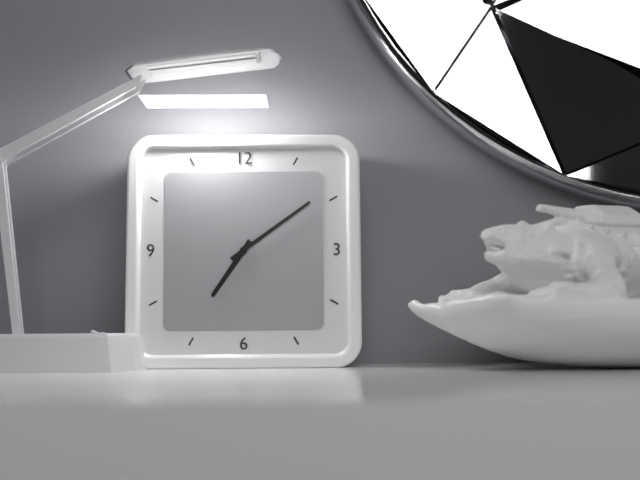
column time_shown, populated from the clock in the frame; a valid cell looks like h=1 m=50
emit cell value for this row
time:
h=7 m=9
